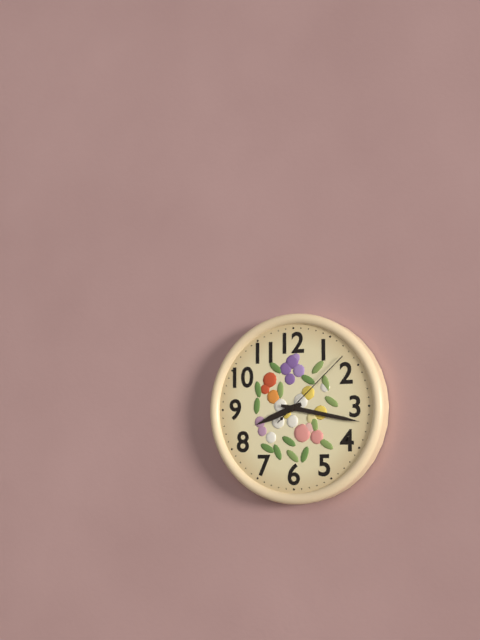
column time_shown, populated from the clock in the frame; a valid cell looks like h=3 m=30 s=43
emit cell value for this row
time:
h=8 m=17 s=8
